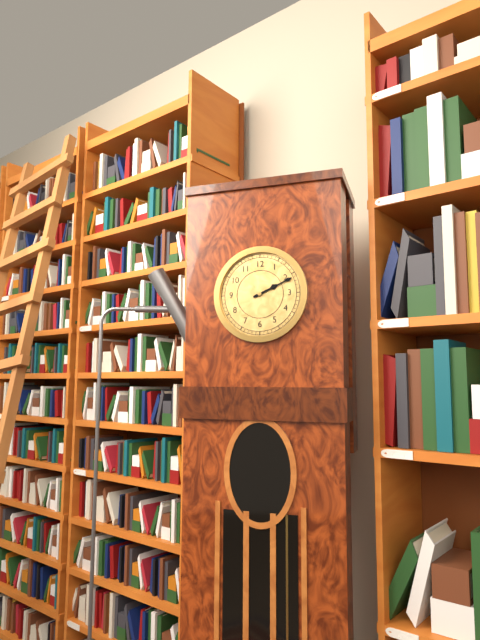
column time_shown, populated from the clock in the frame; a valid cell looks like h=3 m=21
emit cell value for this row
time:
h=2 m=11
